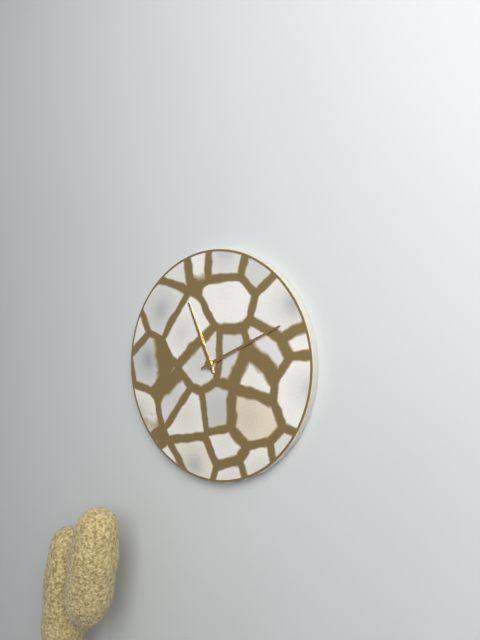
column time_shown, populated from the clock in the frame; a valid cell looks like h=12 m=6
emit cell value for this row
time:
h=11 m=11
